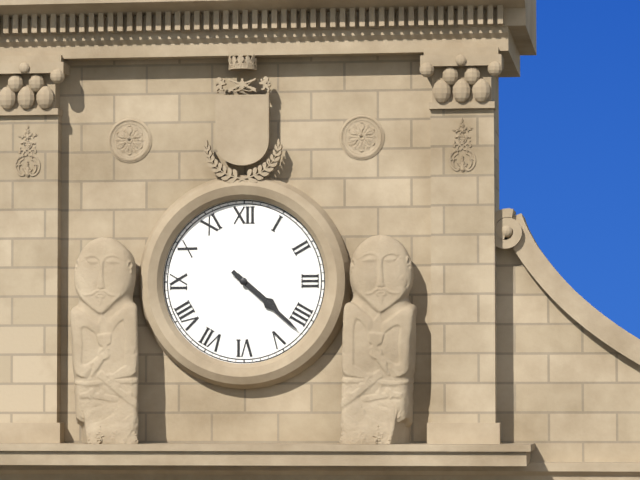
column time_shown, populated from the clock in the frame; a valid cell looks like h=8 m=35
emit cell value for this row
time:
h=4 m=22
